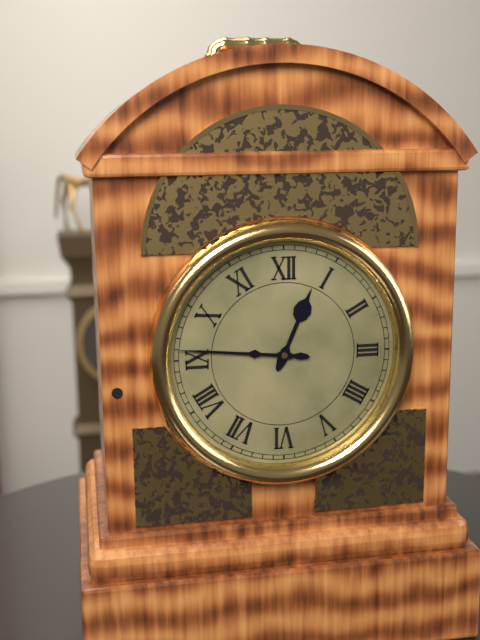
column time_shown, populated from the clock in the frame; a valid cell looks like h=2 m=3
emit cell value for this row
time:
h=12 m=46
